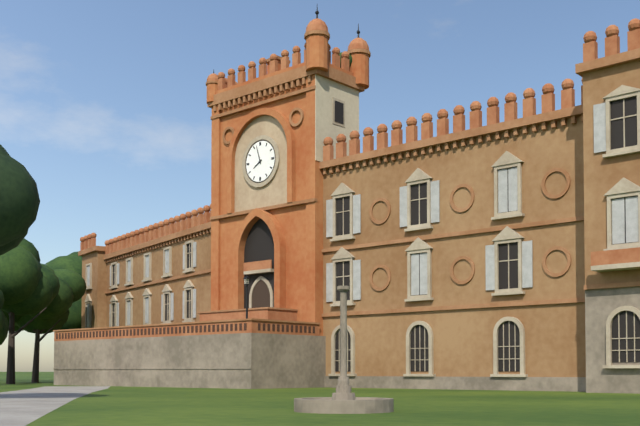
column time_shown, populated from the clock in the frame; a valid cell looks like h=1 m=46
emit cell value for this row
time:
h=7 m=57
